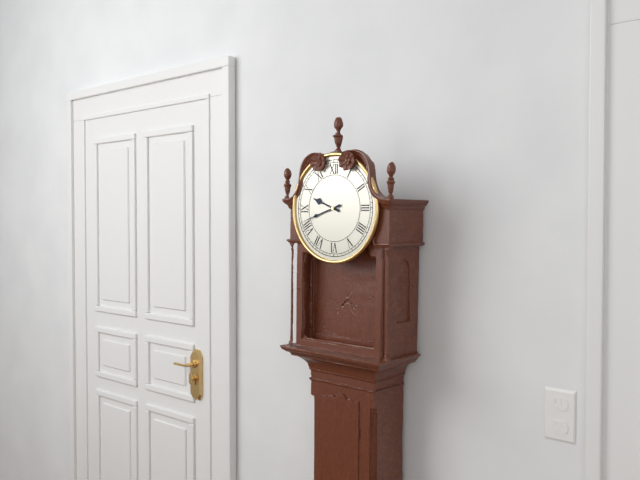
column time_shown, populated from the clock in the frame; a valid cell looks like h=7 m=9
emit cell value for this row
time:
h=9 m=42
